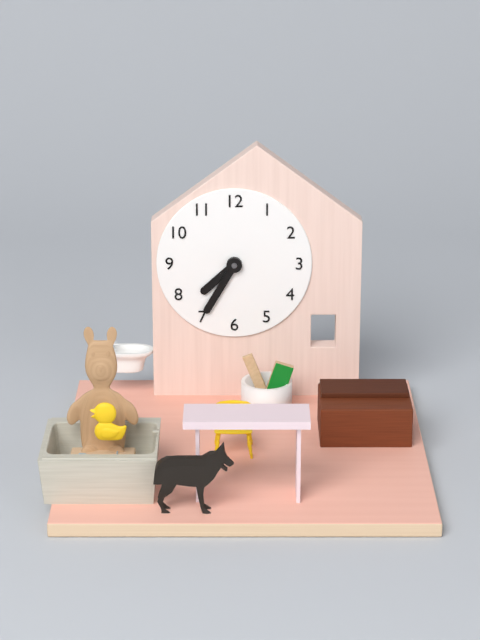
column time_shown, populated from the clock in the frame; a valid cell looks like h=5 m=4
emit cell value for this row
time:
h=7 m=35
